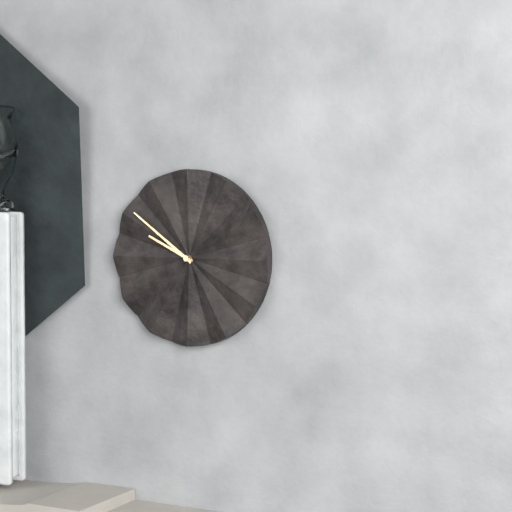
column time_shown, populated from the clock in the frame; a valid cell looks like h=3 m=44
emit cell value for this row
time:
h=9 m=51
